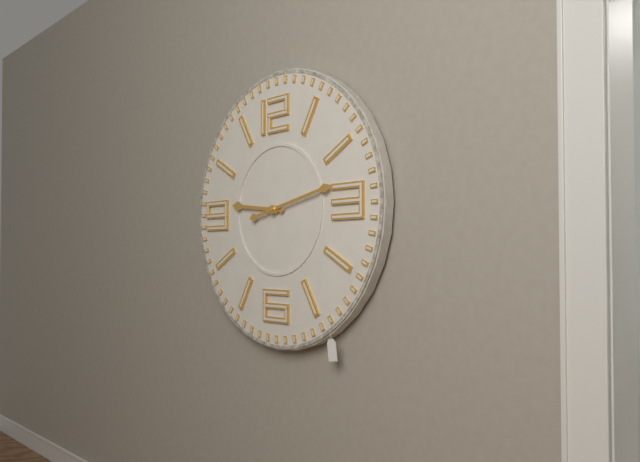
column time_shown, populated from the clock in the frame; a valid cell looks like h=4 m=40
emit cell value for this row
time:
h=9 m=13
